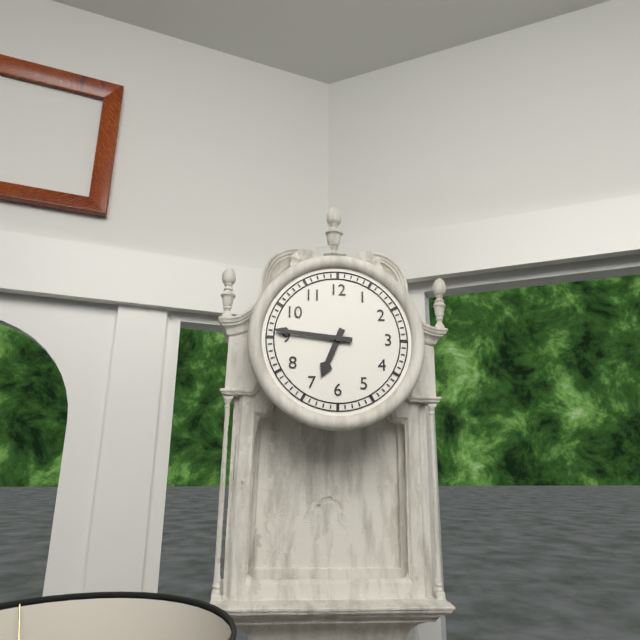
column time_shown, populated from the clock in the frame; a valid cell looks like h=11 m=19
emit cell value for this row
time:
h=6 m=46
